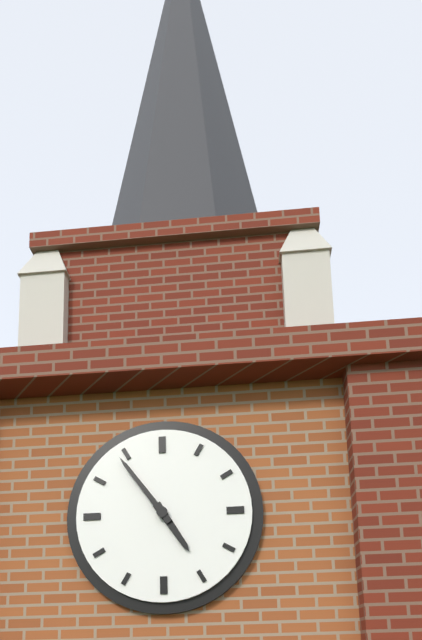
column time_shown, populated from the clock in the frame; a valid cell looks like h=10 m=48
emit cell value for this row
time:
h=4 m=54
